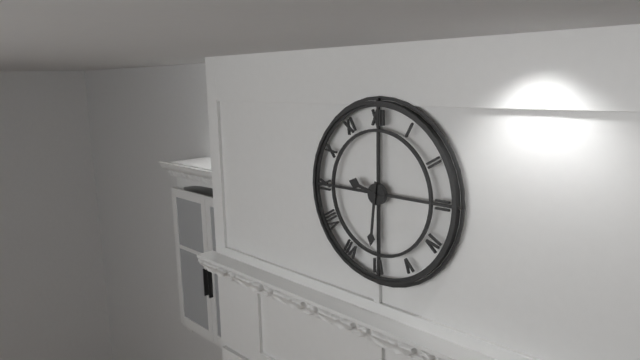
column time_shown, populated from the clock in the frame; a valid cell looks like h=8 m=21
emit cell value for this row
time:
h=9 m=31
